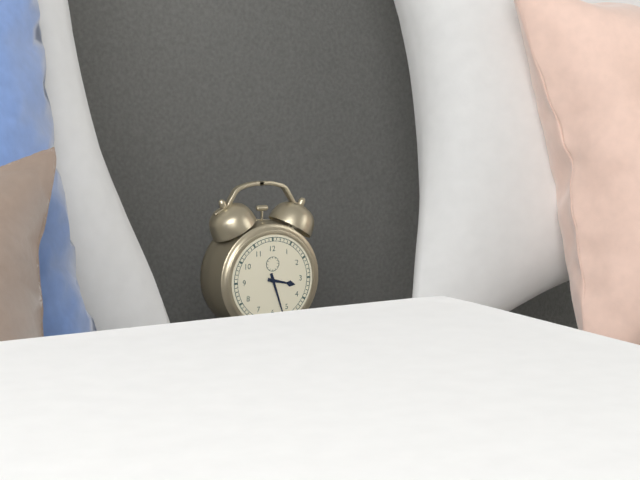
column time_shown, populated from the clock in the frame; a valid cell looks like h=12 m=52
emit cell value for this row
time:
h=3 m=27
